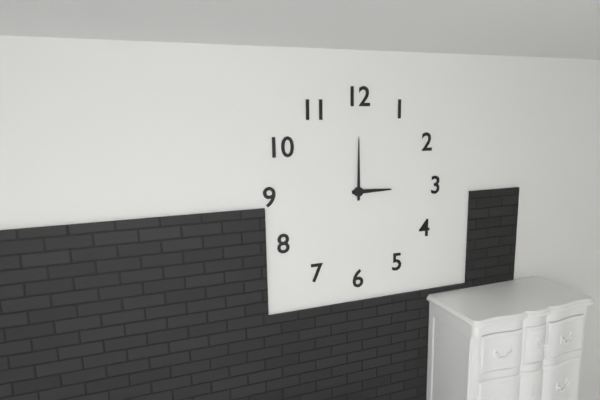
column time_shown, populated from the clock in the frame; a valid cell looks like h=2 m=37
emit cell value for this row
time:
h=3 m=0
